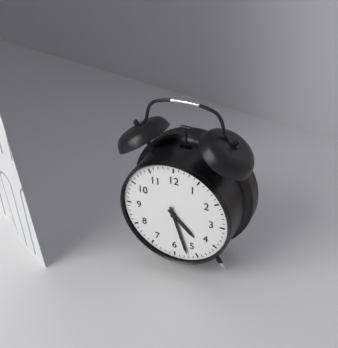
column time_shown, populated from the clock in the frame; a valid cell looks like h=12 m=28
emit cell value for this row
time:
h=4 m=27
